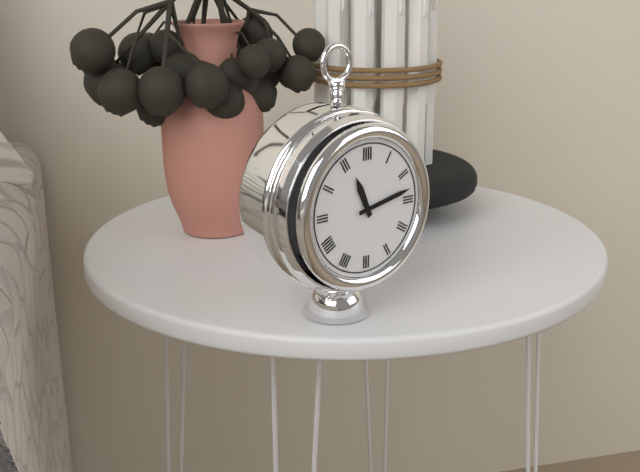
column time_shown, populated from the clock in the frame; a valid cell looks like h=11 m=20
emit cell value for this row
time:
h=11 m=13
